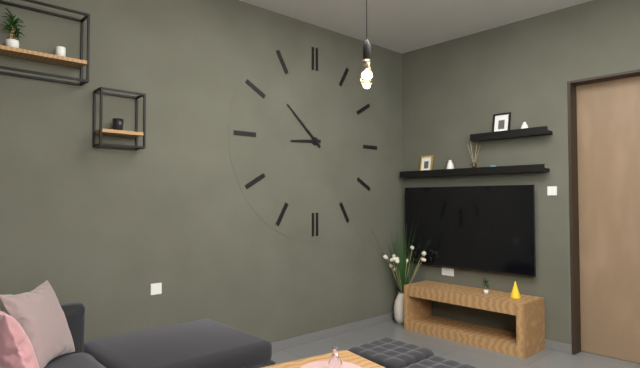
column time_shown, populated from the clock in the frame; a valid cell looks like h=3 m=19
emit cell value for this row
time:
h=8 m=52
